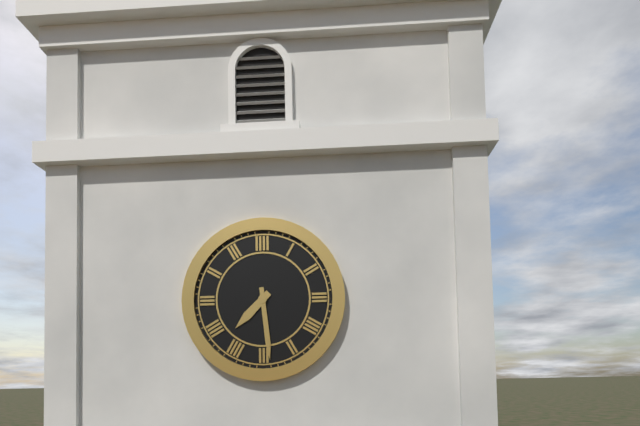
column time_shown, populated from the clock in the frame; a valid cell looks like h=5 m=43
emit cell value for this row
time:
h=7 m=29
